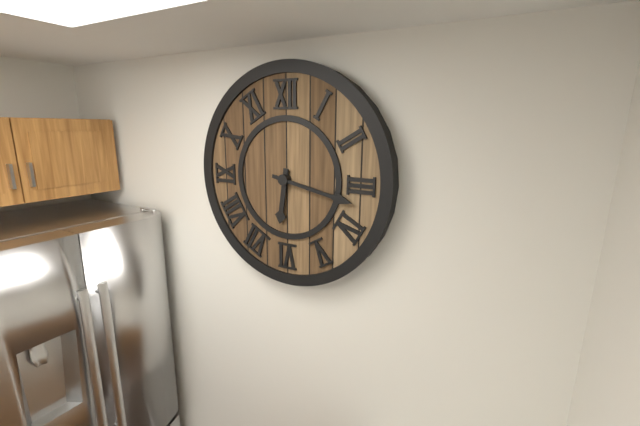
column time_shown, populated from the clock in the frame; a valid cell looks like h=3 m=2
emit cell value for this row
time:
h=6 m=17
